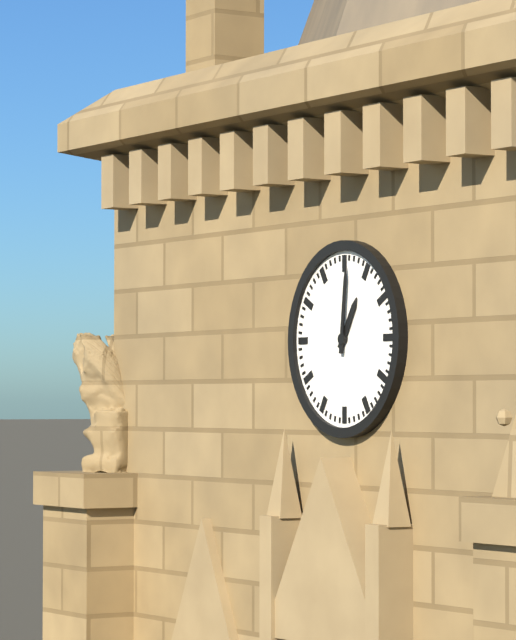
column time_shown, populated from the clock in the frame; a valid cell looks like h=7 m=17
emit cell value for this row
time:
h=1 m=1
